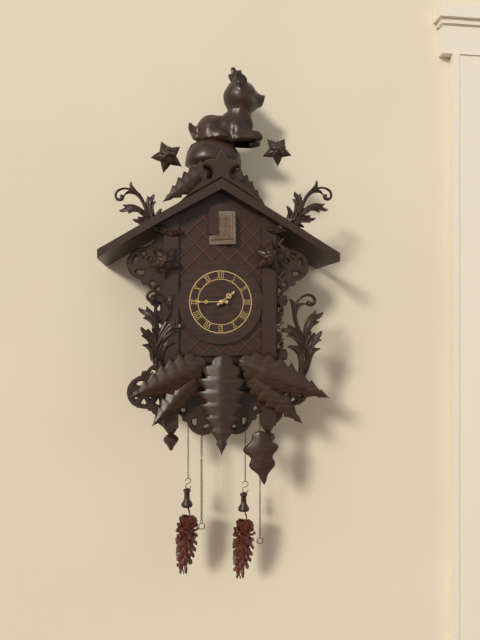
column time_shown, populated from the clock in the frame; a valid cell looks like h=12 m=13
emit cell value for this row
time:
h=1 m=45
